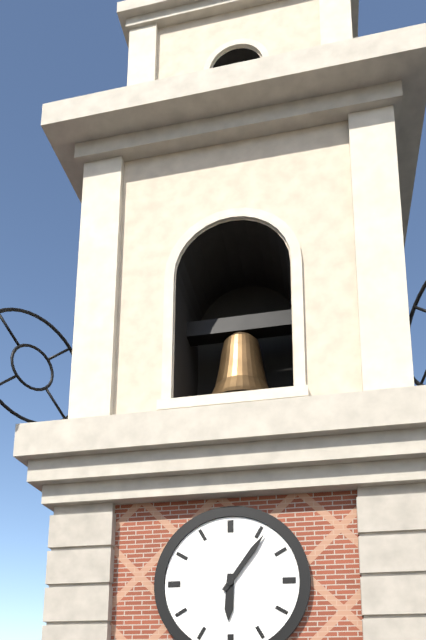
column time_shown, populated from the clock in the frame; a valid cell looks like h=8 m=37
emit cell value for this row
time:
h=6 m=6
